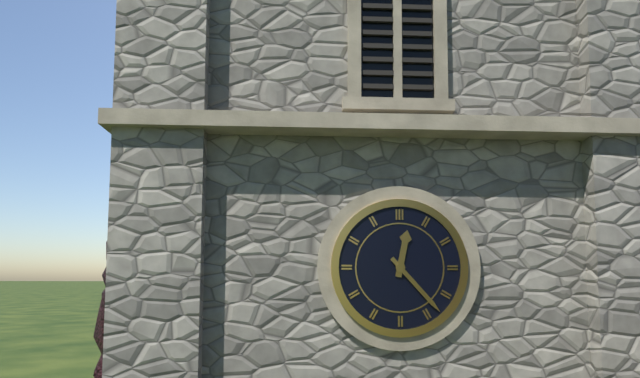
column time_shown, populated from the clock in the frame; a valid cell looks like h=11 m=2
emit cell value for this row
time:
h=12 m=23
